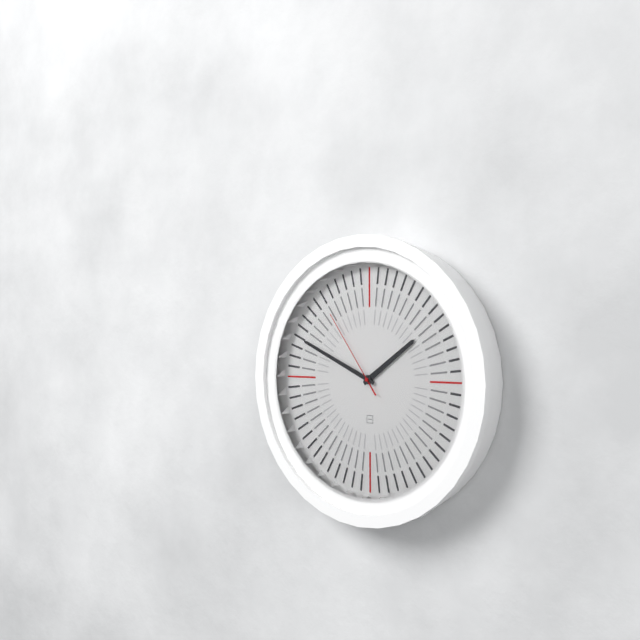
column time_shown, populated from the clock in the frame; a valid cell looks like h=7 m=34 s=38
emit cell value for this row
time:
h=1 m=49 s=54
